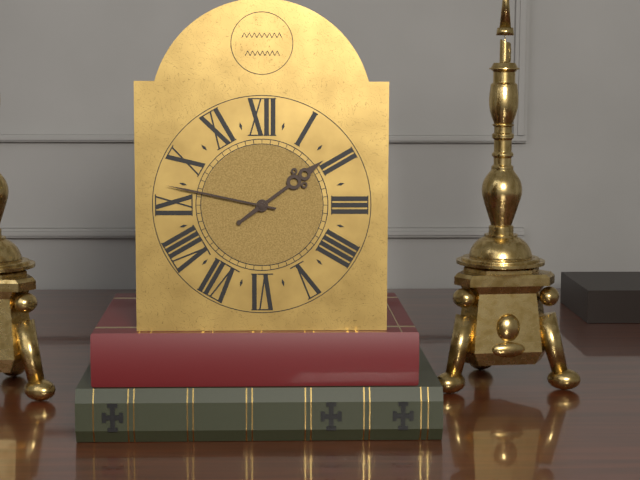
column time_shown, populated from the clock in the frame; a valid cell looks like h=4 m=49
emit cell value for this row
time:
h=1 m=47
